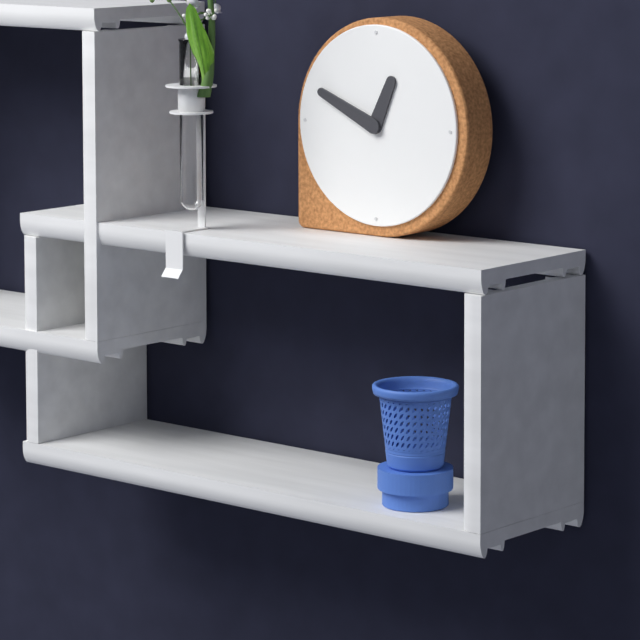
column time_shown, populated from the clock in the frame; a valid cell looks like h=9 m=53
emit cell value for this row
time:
h=12 m=49
